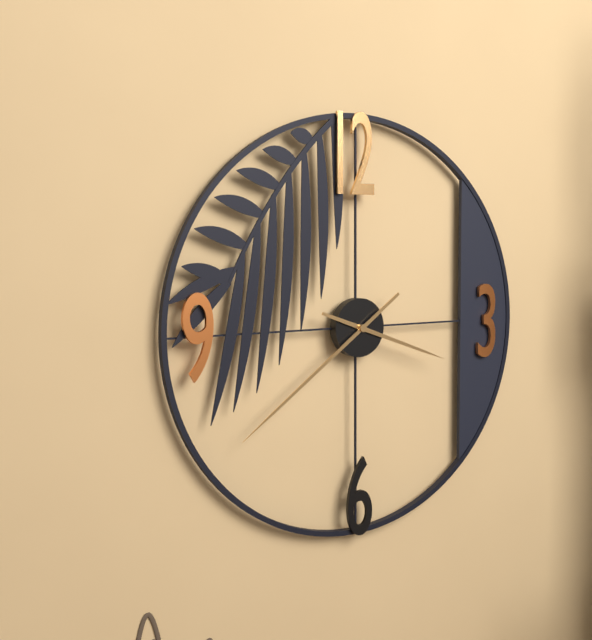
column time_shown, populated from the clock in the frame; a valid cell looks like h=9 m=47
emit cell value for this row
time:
h=3 m=39
